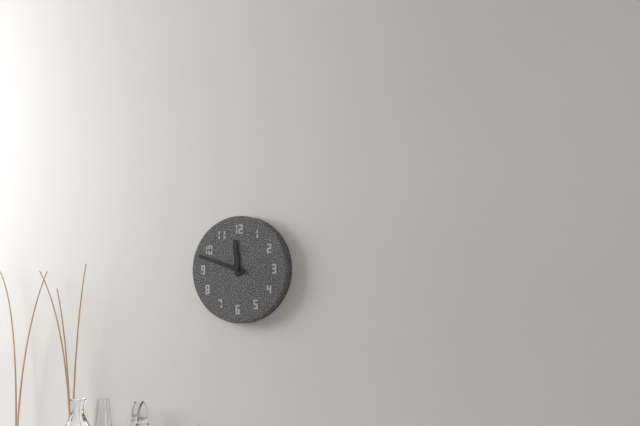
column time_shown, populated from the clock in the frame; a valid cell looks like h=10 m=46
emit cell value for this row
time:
h=11 m=48
